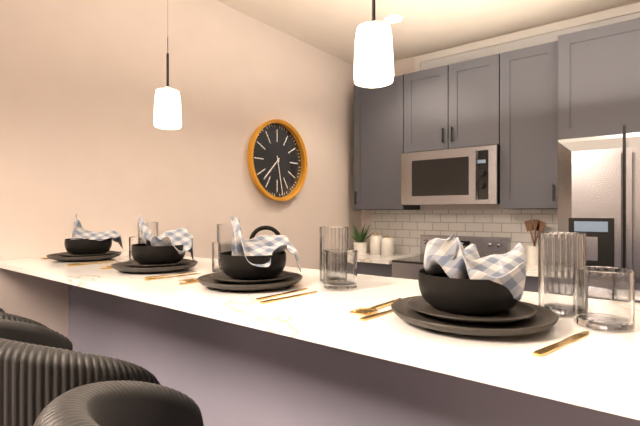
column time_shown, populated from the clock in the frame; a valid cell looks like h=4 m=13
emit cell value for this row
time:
h=7 m=28
